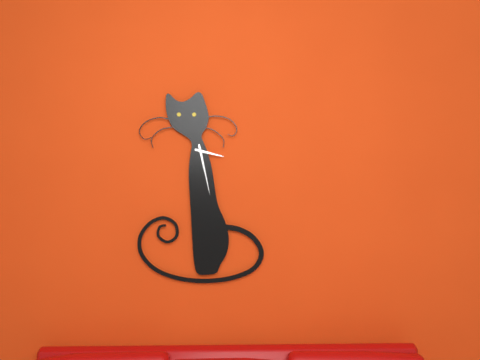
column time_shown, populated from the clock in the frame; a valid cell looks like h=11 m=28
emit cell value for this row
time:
h=3 m=28
